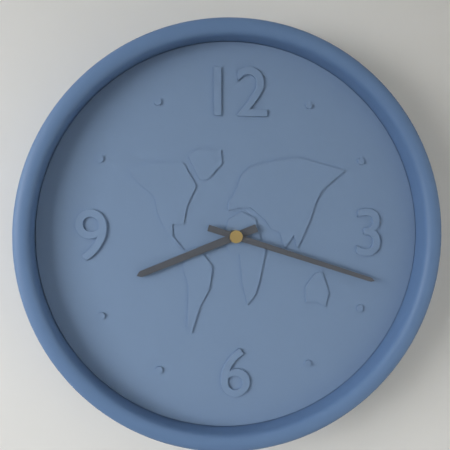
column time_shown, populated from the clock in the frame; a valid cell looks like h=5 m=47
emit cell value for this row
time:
h=8 m=18
